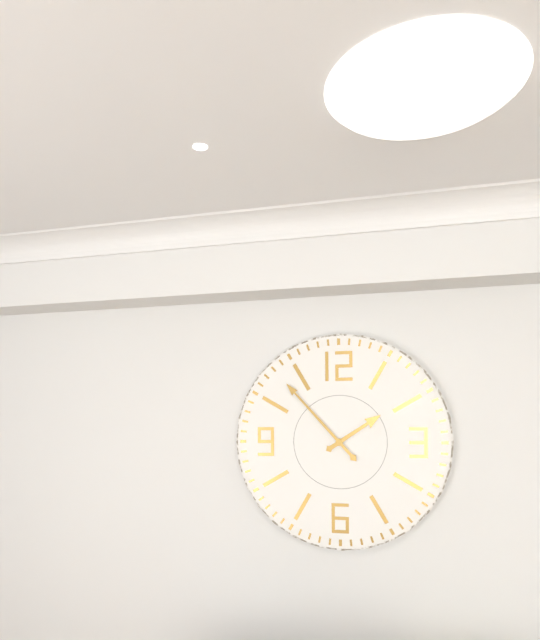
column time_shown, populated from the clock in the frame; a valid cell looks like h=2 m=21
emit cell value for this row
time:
h=1 m=53
